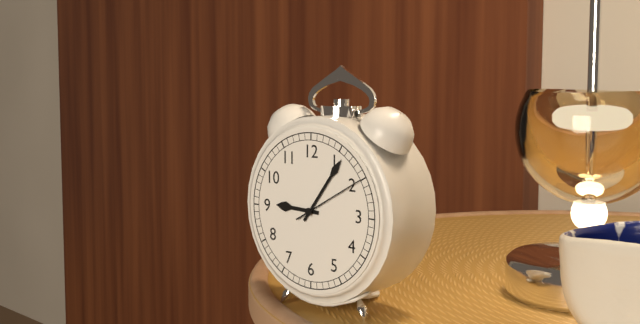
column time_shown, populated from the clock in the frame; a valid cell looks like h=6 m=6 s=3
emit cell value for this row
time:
h=9 m=6 s=10
